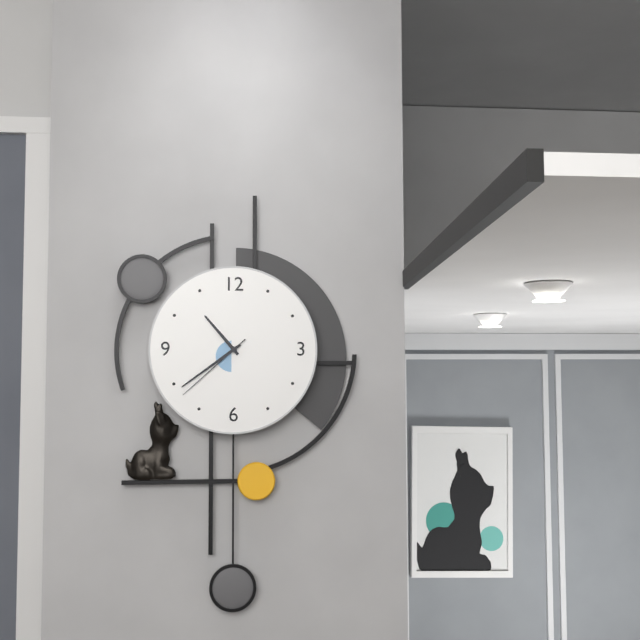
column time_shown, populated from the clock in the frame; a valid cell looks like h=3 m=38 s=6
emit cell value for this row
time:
h=10 m=39 s=38
